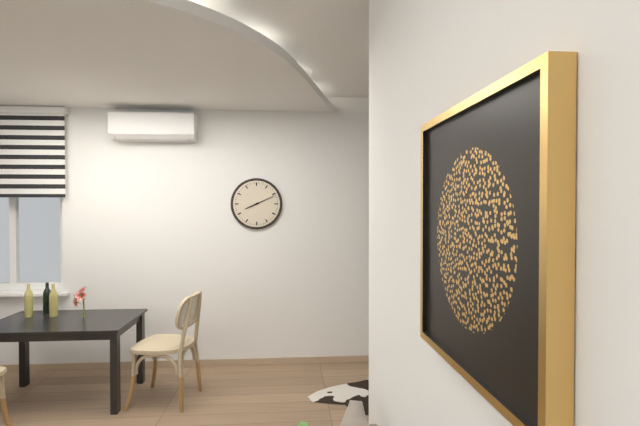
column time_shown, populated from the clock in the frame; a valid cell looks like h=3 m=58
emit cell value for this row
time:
h=8 m=11
